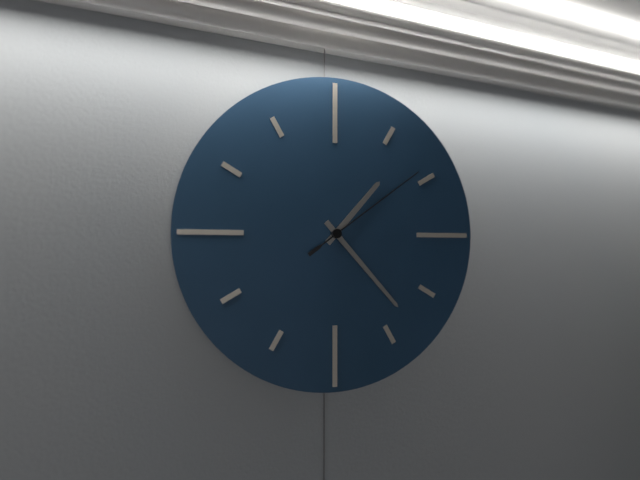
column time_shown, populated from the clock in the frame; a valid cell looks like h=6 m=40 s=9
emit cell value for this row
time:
h=1 m=23 s=9
